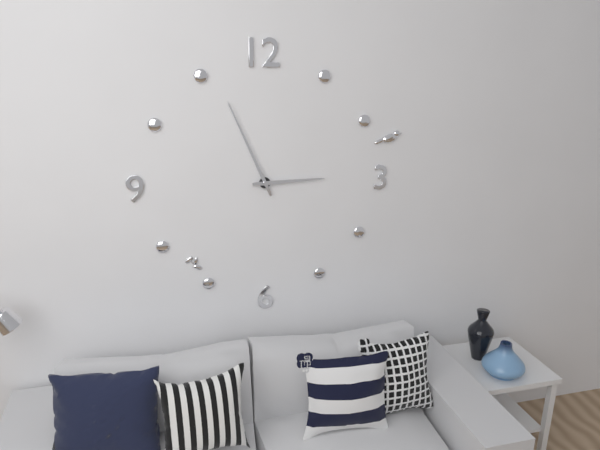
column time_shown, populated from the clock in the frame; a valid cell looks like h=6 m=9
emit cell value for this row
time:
h=2 m=56
